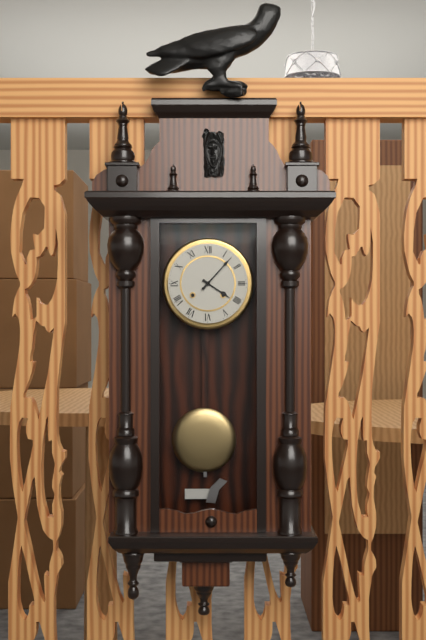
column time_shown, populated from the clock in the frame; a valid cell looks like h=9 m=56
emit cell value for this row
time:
h=4 m=7
